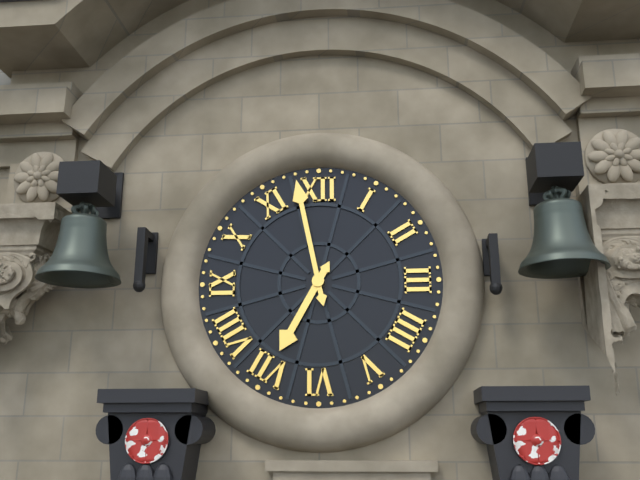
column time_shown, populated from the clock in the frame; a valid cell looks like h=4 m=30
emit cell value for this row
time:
h=6 m=58
